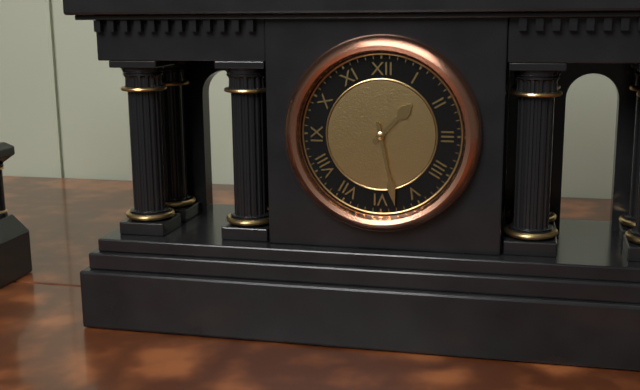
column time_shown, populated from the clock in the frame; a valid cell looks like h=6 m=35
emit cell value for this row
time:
h=1 m=28
